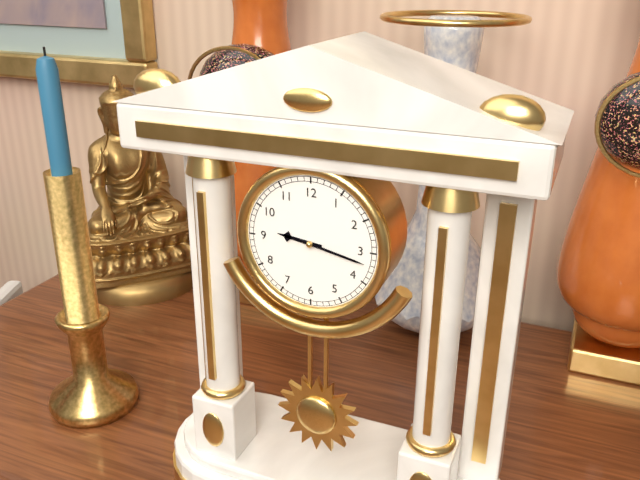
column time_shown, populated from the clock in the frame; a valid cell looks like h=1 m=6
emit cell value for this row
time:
h=9 m=17
